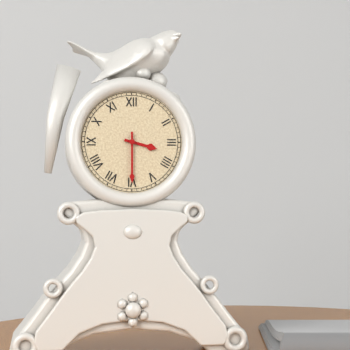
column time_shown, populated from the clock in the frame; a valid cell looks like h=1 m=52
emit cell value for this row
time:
h=3 m=30
